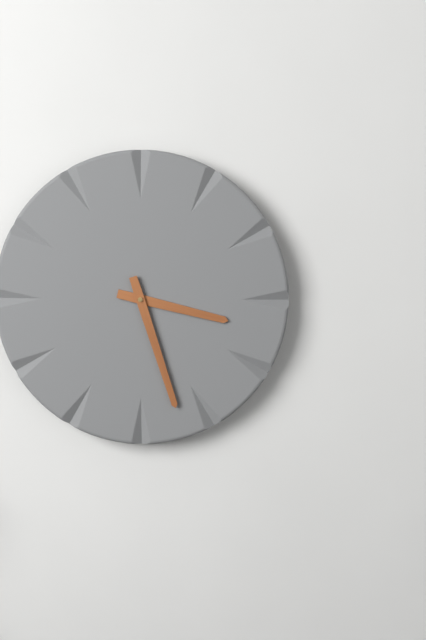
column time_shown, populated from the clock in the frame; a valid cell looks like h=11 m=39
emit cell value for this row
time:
h=3 m=27
